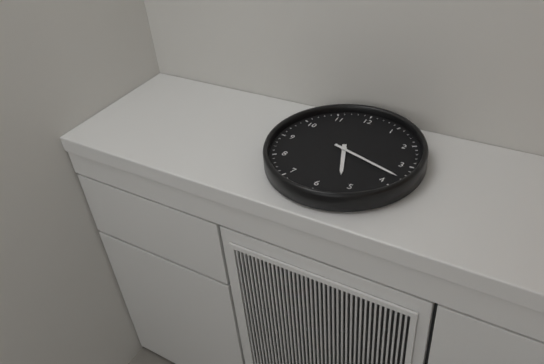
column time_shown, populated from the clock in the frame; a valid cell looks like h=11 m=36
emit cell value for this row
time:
h=5 m=18
